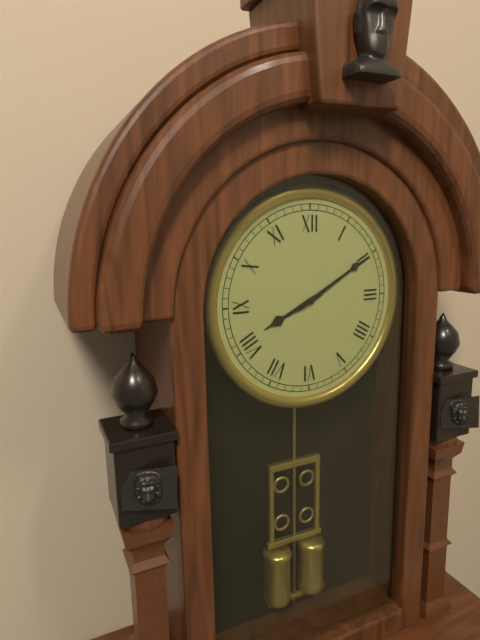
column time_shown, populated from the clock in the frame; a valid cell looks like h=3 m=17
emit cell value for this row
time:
h=8 m=10
